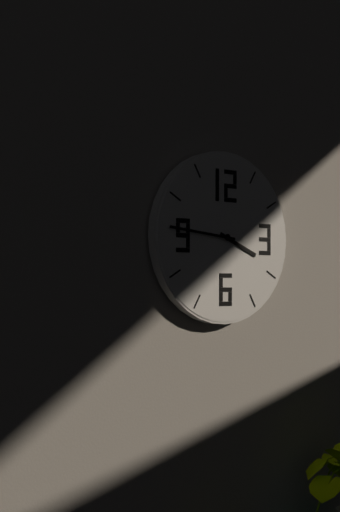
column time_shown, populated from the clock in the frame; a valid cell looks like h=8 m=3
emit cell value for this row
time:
h=3 m=46
